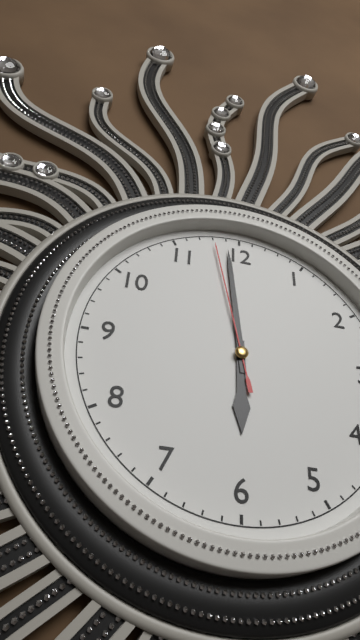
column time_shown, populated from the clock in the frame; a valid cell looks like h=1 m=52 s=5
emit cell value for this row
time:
h=5 m=59 s=58
